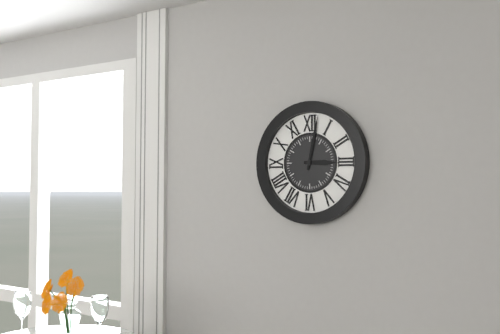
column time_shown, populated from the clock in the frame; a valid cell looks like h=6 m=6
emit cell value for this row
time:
h=3 m=2
